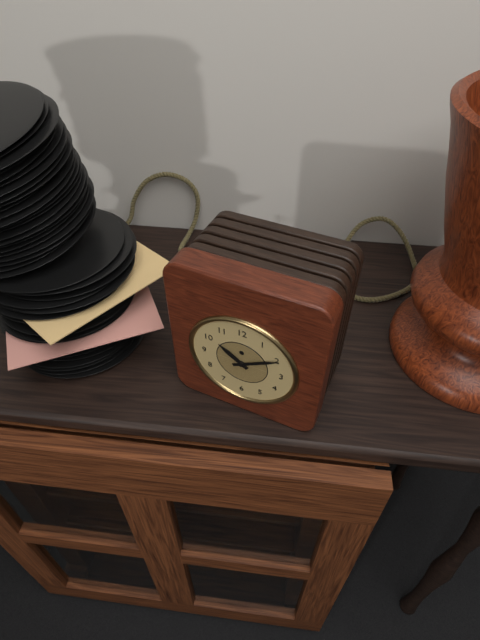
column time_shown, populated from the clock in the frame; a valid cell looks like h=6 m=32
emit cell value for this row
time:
h=10 m=10
